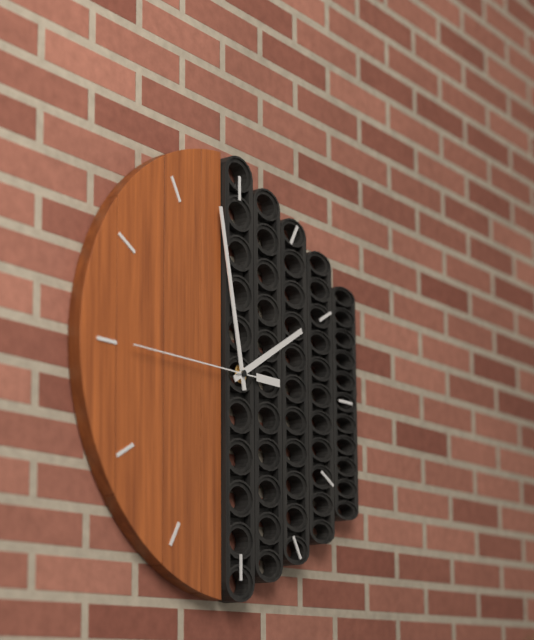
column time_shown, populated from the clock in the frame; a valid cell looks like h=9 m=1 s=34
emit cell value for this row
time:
h=1 m=58 s=45
